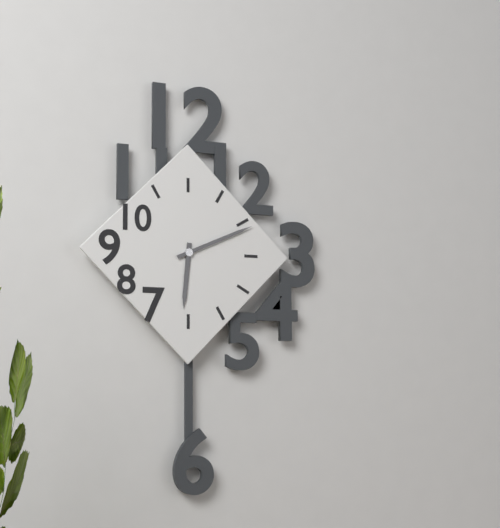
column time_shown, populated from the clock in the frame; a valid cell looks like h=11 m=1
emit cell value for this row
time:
h=6 m=11
